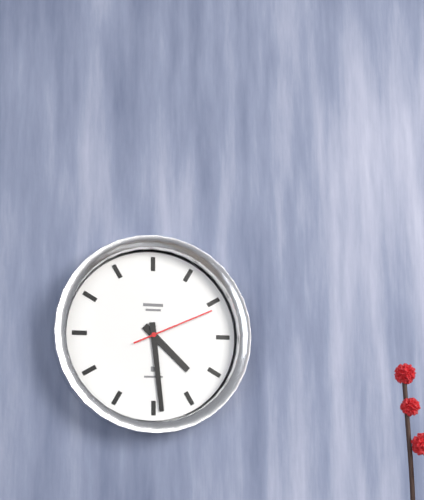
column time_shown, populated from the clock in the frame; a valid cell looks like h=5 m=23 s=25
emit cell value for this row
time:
h=4 m=29 s=11
